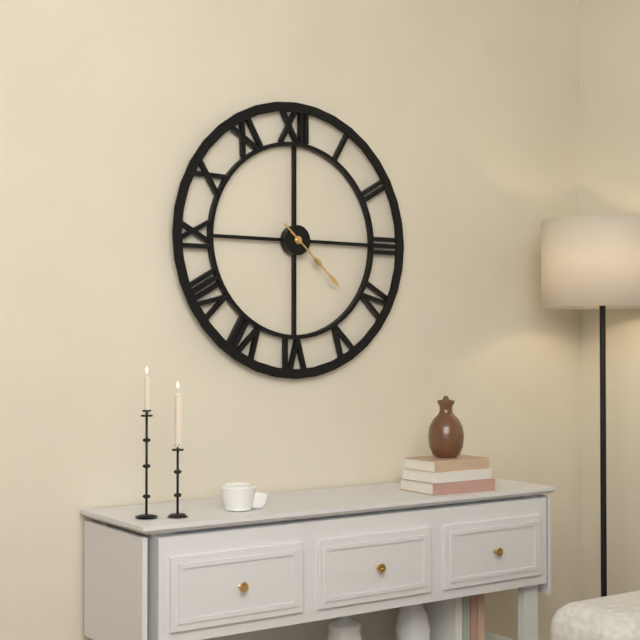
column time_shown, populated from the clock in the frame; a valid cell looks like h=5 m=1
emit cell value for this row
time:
h=4 m=22
